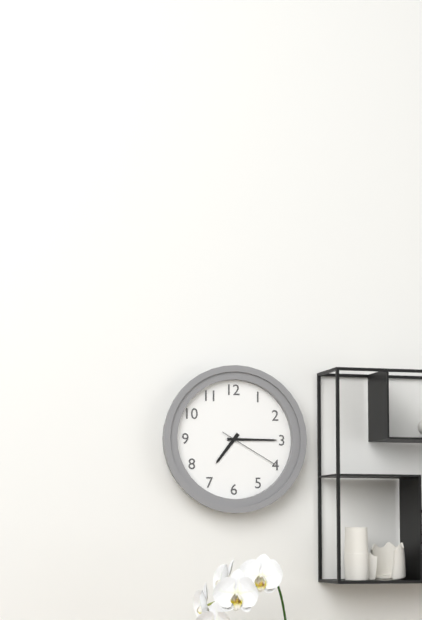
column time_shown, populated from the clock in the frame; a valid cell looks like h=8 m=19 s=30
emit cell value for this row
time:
h=7 m=15 s=20
